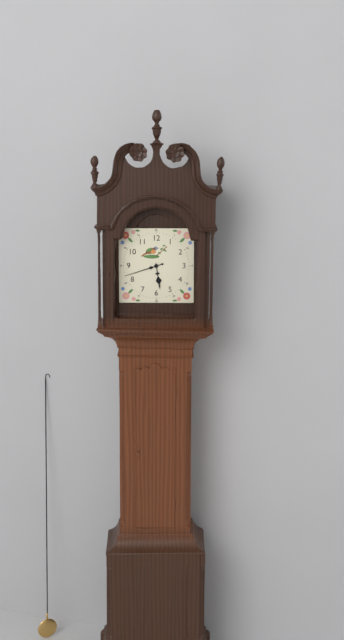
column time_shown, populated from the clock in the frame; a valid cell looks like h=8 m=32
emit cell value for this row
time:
h=5 m=42
